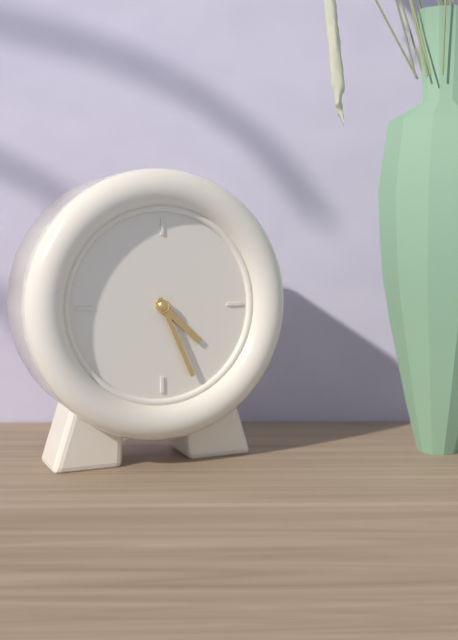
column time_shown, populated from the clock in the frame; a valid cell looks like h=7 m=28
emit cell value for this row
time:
h=4 m=26
